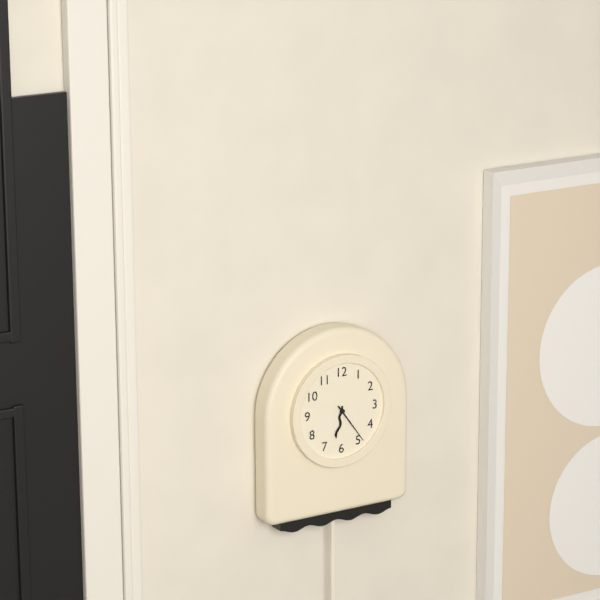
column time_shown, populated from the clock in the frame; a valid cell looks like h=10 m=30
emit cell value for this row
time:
h=6 m=24
